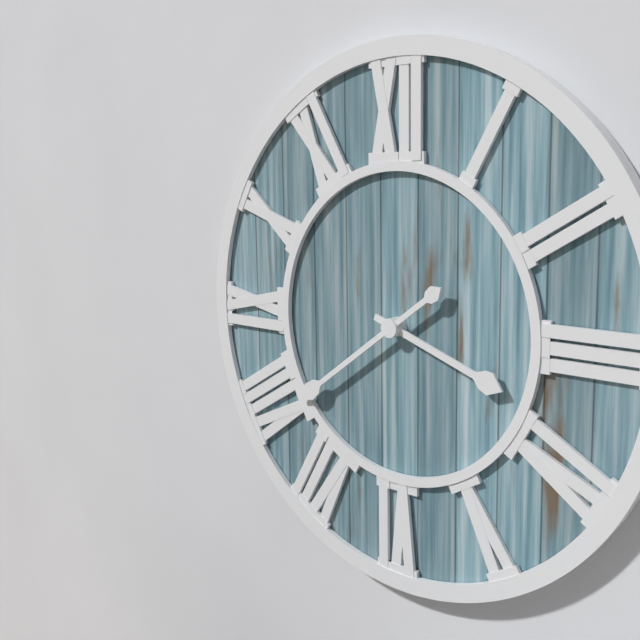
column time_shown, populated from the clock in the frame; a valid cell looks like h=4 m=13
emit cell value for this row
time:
h=3 m=39
